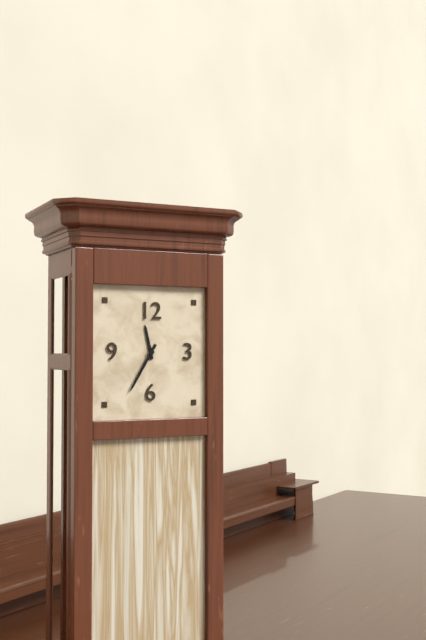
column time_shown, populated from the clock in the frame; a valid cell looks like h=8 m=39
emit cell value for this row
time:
h=11 m=35
